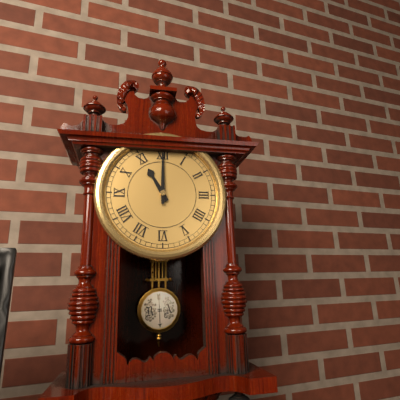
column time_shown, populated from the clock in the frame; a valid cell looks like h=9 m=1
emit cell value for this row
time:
h=11 m=0
